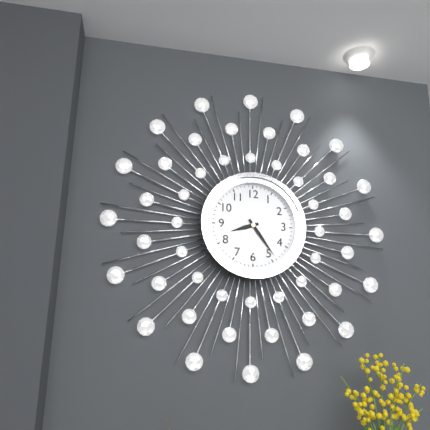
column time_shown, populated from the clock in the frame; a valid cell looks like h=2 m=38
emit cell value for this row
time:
h=8 m=24
